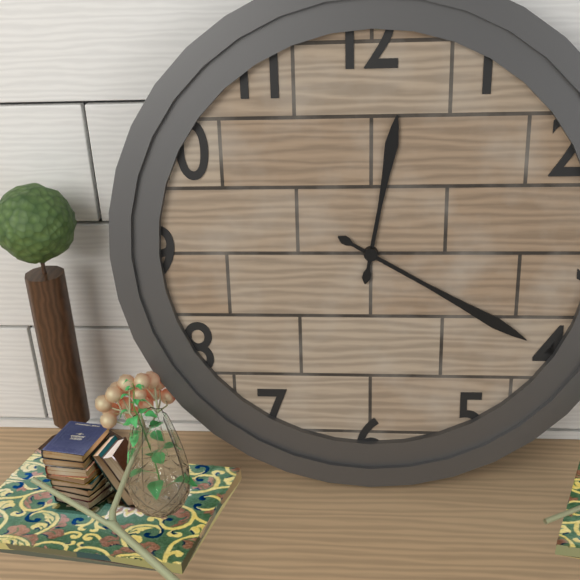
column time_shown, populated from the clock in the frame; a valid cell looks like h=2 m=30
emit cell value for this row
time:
h=12 m=20
